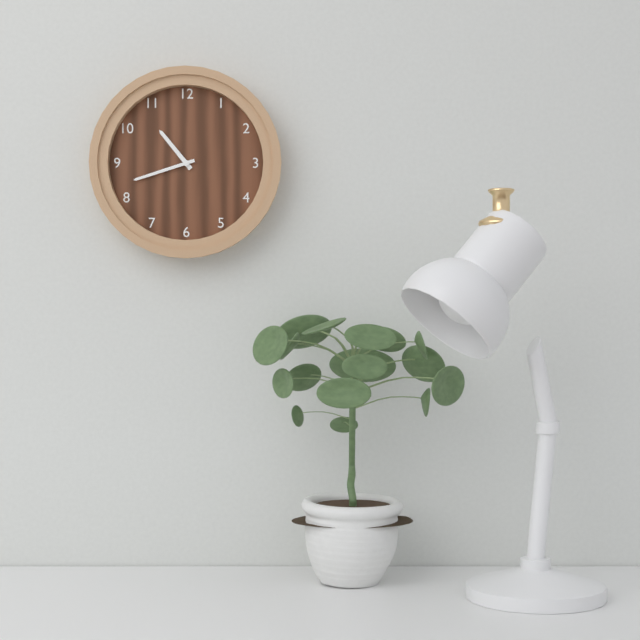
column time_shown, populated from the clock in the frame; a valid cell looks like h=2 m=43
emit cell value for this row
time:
h=10 m=42
